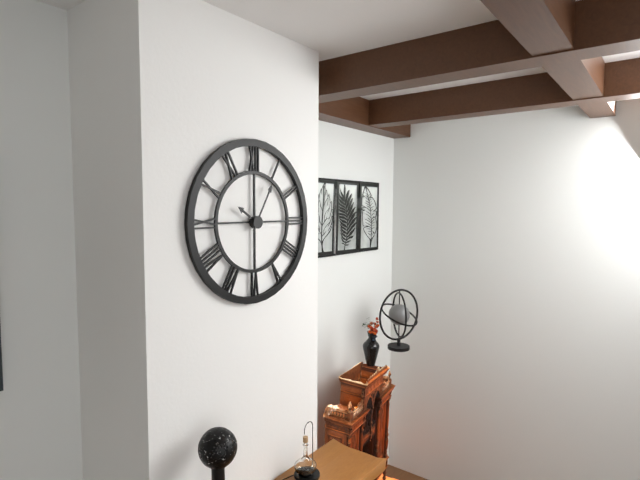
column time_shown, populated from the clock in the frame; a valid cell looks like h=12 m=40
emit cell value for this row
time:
h=10 m=5
